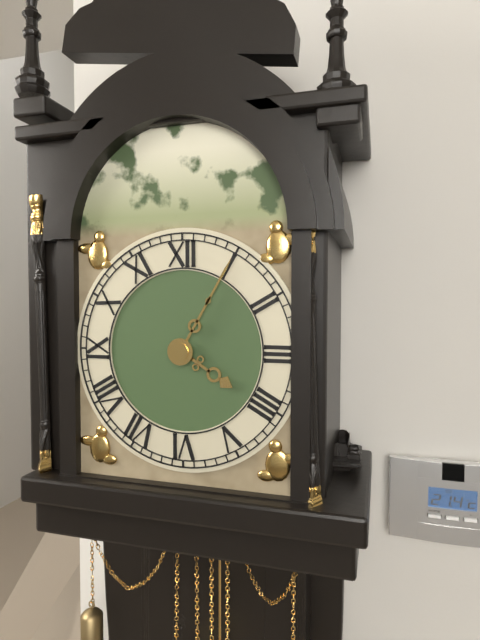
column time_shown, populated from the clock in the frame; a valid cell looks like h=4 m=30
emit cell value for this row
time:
h=4 m=5
